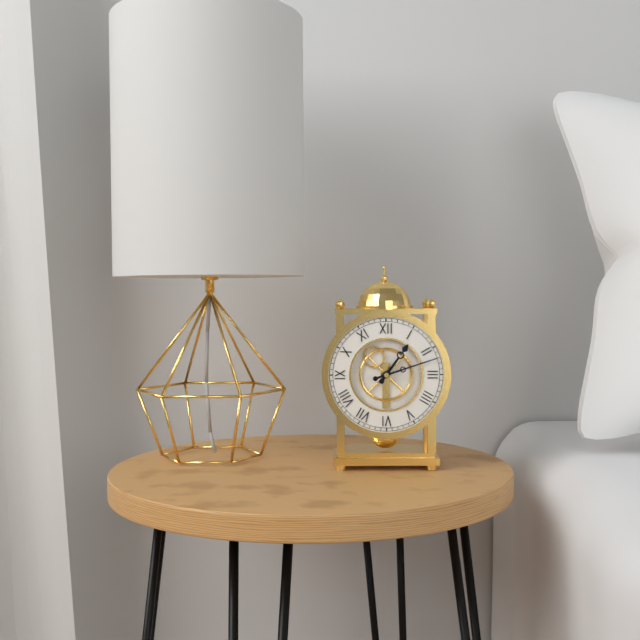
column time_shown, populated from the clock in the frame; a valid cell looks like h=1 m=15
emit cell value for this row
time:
h=1 m=12
